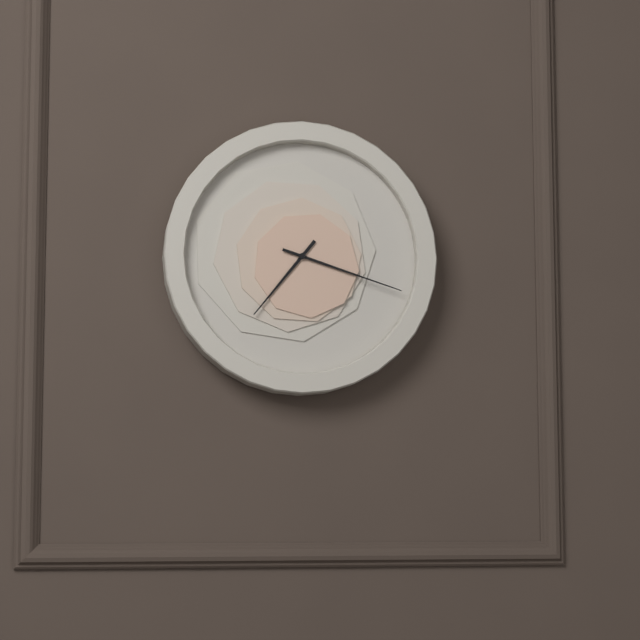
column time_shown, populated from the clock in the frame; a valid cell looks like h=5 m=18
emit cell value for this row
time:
h=7 m=18
